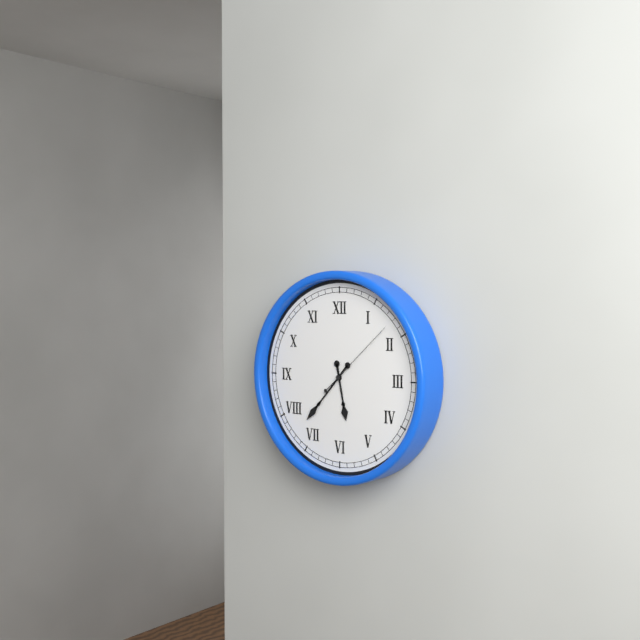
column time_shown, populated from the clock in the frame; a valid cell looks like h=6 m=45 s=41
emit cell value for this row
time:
h=5 m=37 s=8
